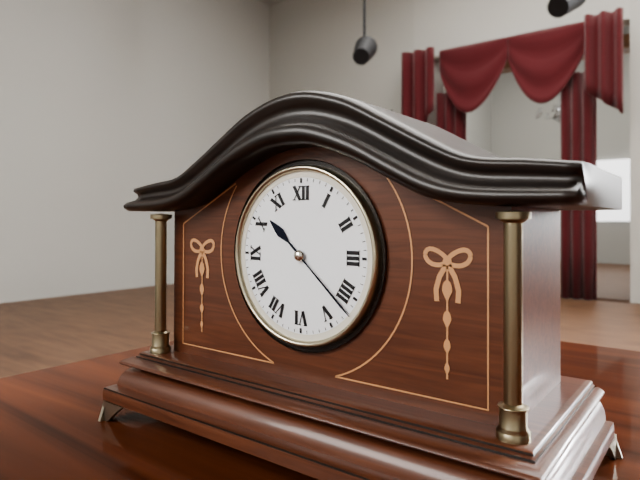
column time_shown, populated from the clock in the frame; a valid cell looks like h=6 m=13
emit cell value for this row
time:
h=10 m=22
